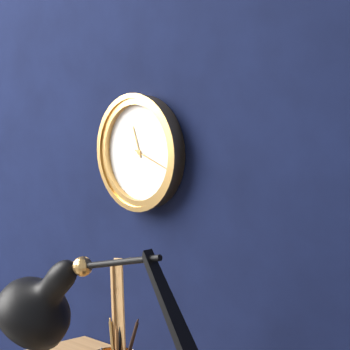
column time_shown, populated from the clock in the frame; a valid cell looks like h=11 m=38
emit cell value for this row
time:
h=11 m=18
